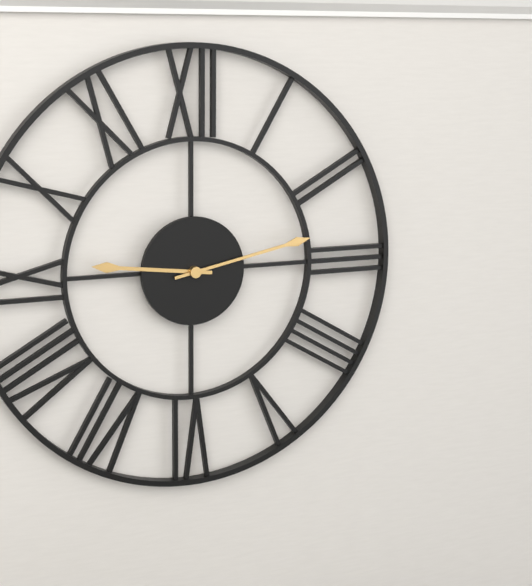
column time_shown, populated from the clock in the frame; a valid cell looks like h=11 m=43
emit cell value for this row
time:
h=9 m=13
